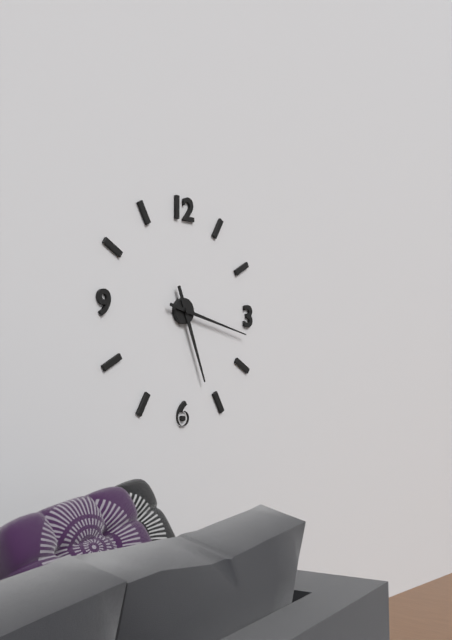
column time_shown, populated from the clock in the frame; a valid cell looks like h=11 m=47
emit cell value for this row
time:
h=5 m=17
